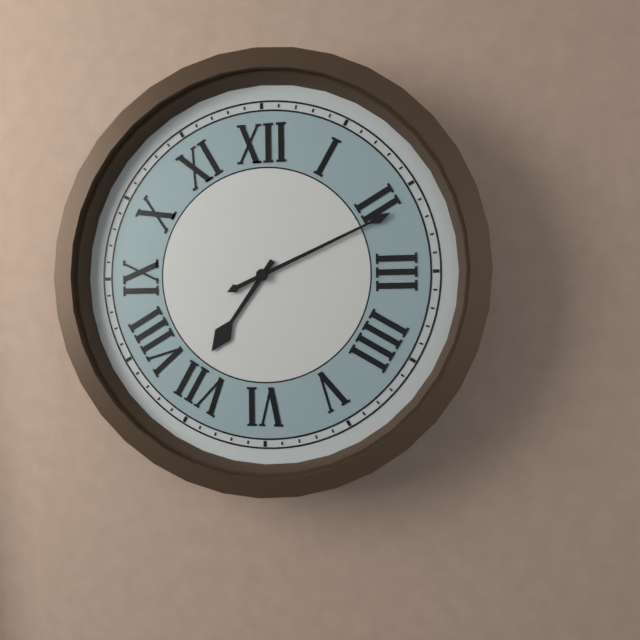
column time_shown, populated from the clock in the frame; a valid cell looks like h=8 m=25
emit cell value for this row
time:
h=7 m=11
